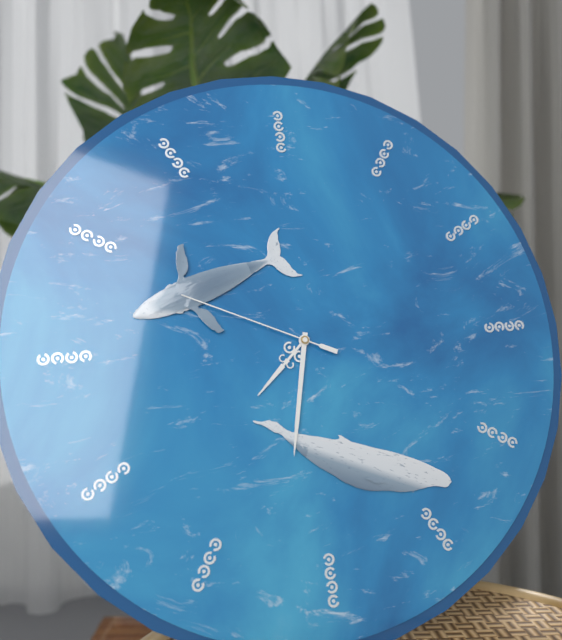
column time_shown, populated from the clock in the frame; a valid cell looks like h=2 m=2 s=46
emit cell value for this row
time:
h=7 m=32 s=49
